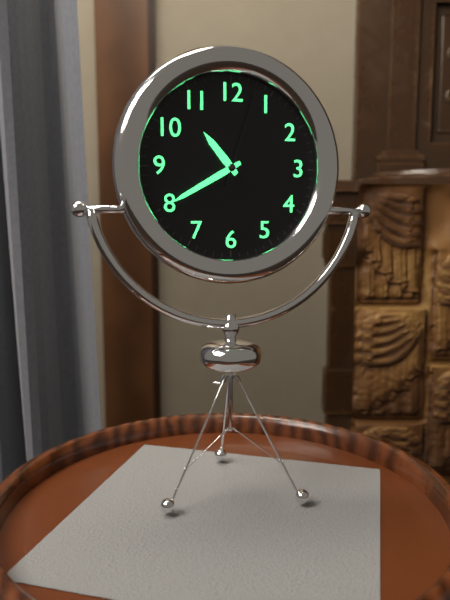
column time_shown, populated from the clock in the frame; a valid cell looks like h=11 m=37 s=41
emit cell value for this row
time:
h=10 m=40 s=3
